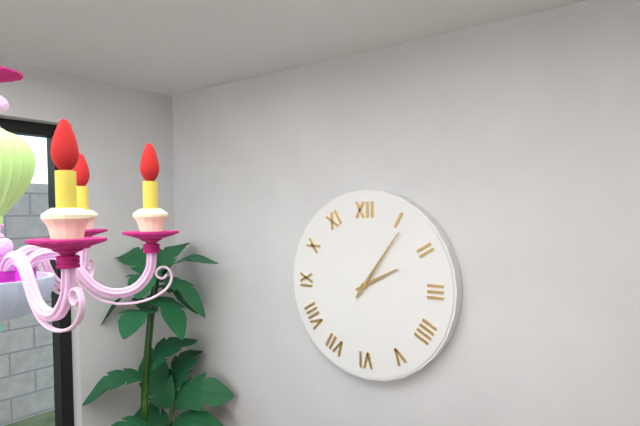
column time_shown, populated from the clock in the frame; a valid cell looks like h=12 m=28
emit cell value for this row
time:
h=2 m=6
